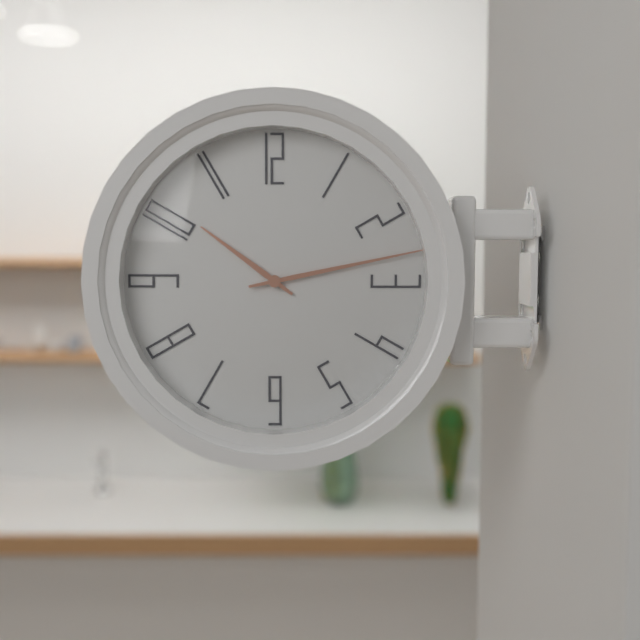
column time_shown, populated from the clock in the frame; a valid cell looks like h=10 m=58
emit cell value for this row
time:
h=10 m=13
